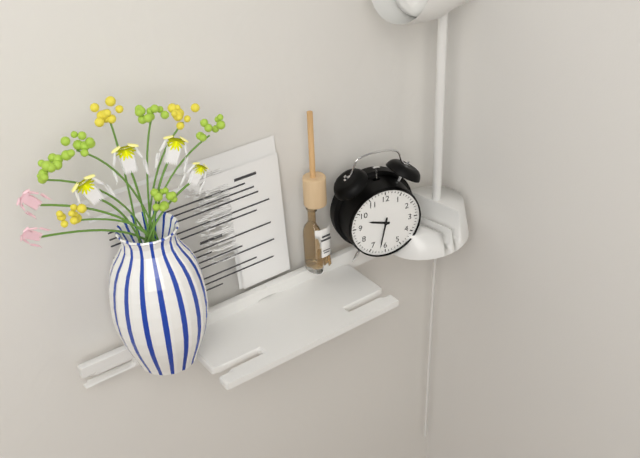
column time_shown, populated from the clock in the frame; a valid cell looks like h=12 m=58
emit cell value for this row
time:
h=9 m=32
